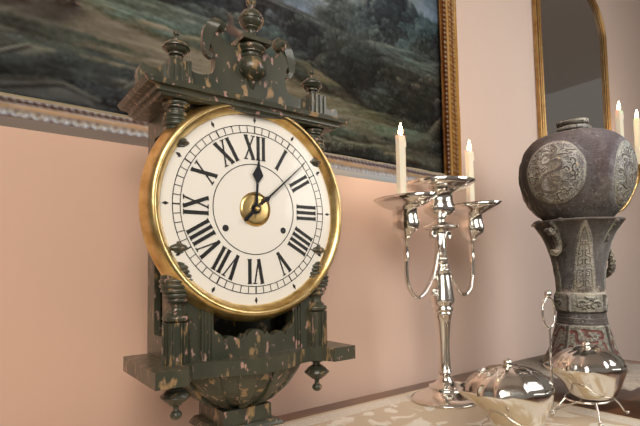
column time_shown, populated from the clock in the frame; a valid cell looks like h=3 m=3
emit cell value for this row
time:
h=12 m=8
